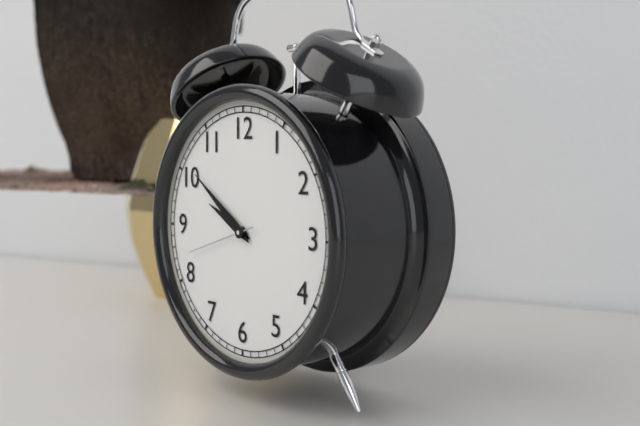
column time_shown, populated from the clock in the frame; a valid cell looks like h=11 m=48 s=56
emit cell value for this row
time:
h=9 m=51 s=42
